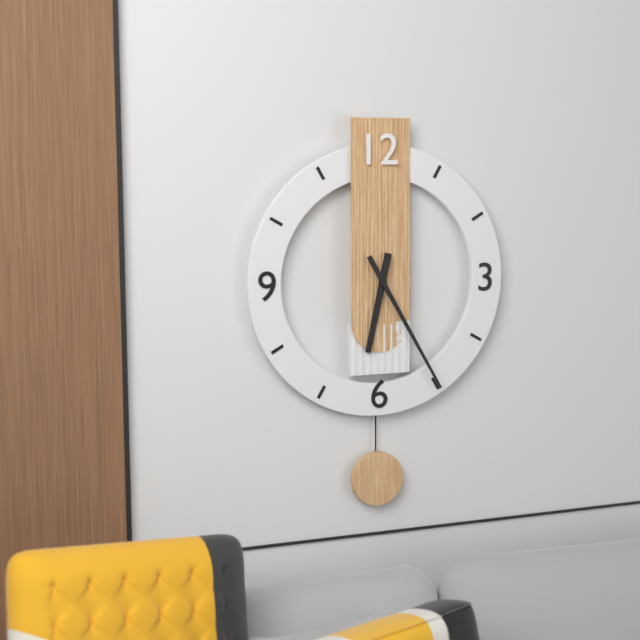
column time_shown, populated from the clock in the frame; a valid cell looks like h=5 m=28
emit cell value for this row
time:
h=6 m=25
